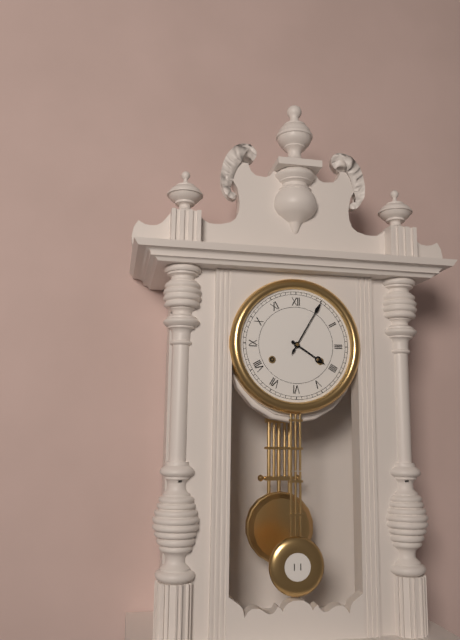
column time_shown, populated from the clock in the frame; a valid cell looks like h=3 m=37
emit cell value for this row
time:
h=4 m=5
